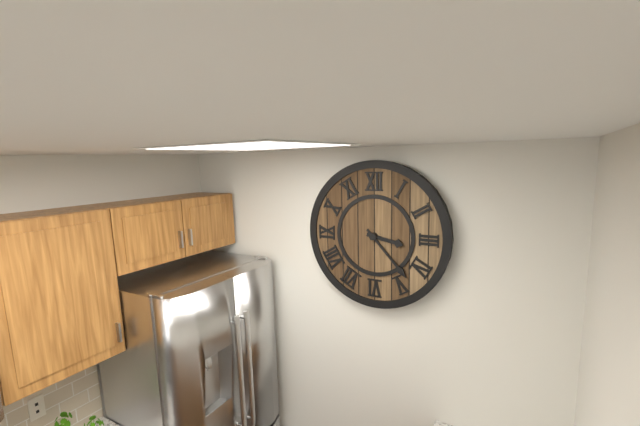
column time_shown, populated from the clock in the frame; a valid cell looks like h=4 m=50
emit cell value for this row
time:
h=3 m=23
